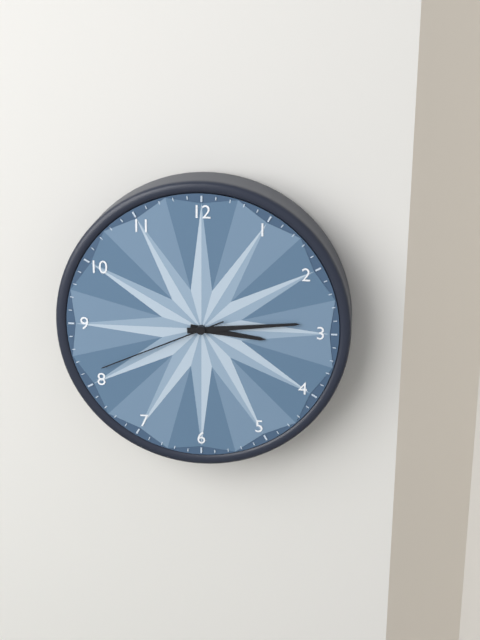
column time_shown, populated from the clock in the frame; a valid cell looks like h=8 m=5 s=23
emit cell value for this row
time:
h=3 m=14 s=41
